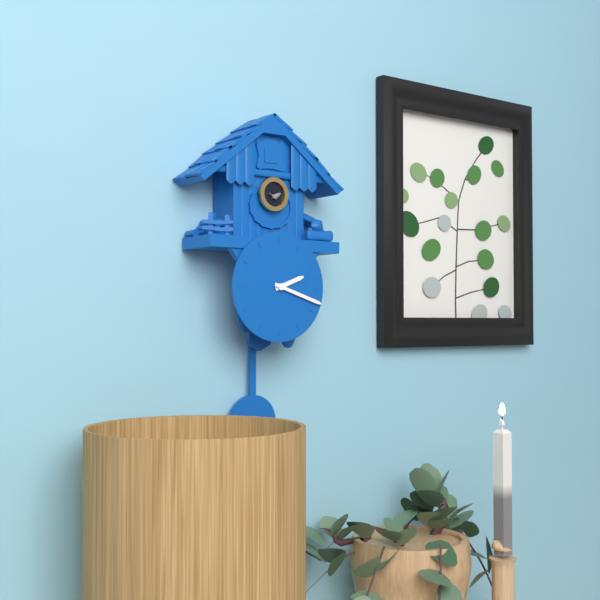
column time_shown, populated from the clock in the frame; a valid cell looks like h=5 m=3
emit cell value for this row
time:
h=2 m=18
